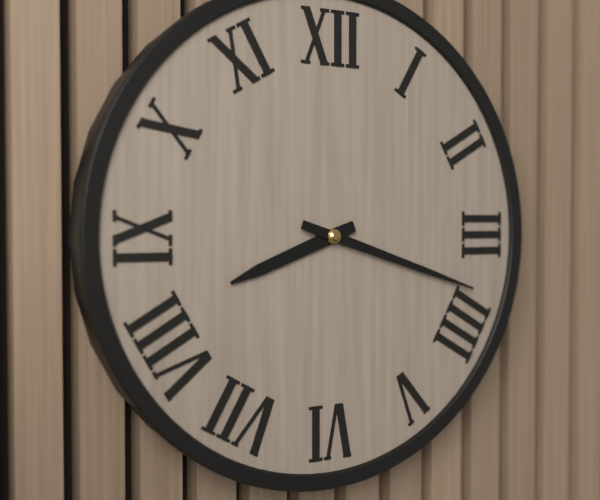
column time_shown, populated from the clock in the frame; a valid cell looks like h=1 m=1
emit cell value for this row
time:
h=8 m=18
